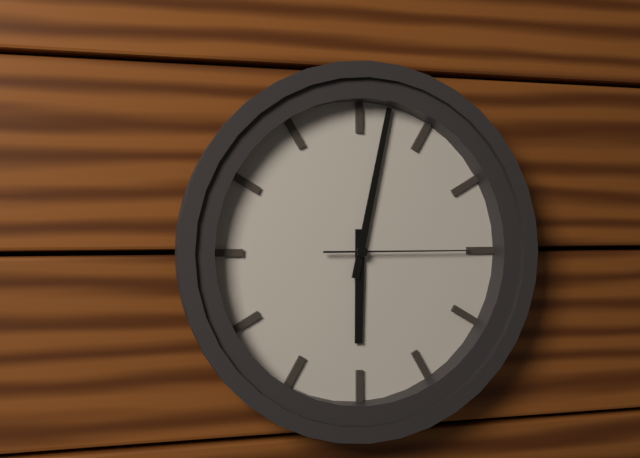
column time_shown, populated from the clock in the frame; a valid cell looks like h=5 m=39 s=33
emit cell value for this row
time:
h=6 m=2 s=15
